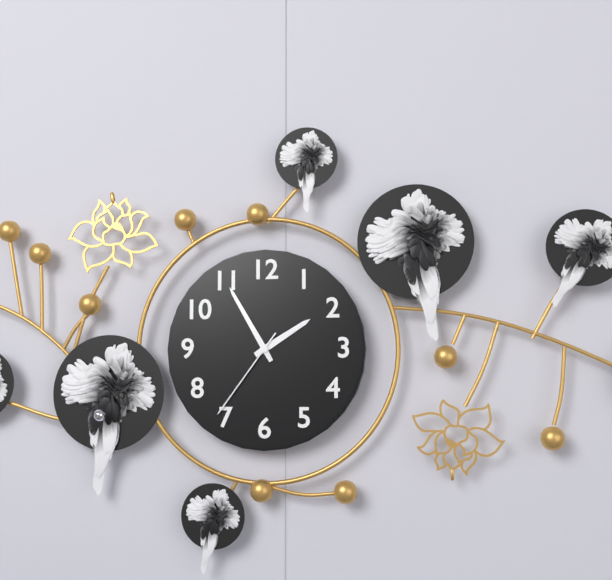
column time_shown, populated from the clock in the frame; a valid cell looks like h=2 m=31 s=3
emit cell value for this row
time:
h=1 m=55 s=36
